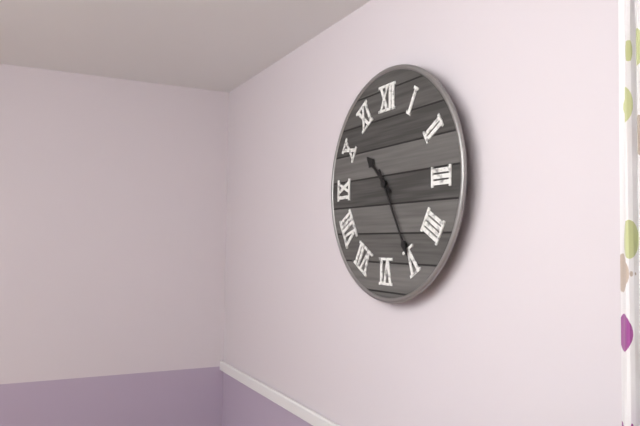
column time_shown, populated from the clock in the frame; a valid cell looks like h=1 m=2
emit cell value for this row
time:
h=10 m=25
